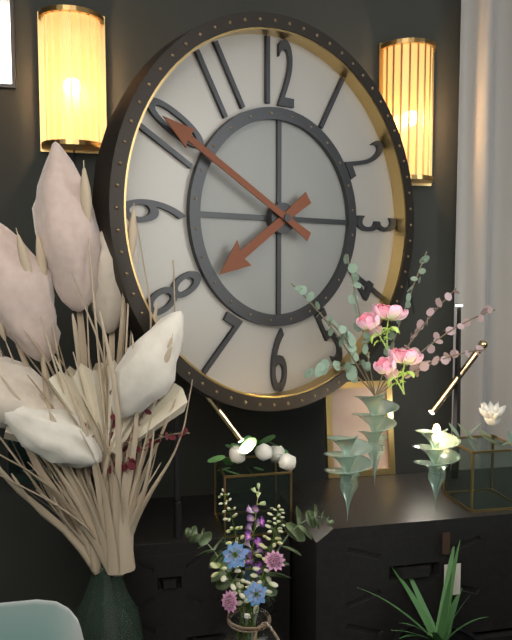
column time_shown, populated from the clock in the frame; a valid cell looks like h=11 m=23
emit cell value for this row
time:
h=7 m=50
